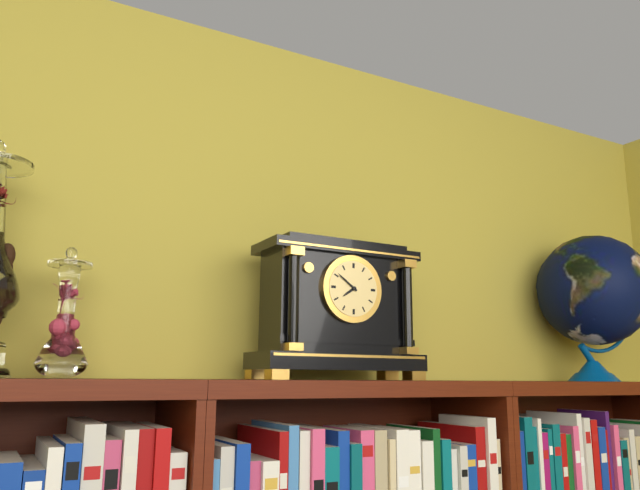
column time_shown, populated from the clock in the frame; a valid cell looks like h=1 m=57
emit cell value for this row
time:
h=7 m=51
